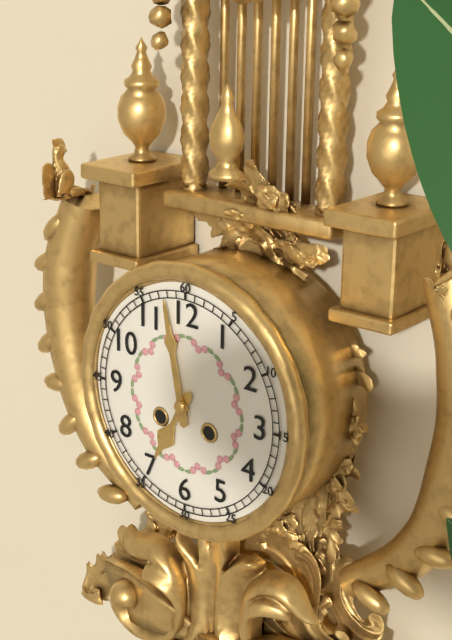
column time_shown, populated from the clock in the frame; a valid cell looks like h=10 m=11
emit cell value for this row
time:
h=6 m=58
